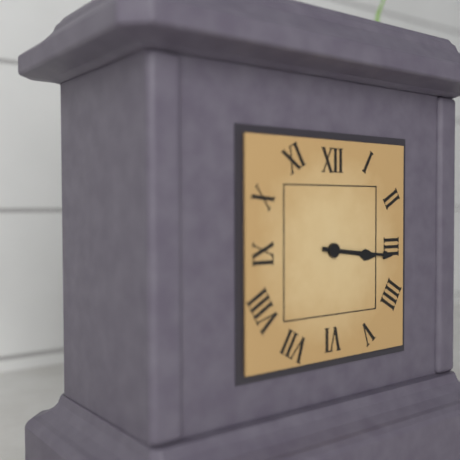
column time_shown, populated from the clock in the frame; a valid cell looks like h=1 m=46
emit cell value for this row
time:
h=3 m=16
